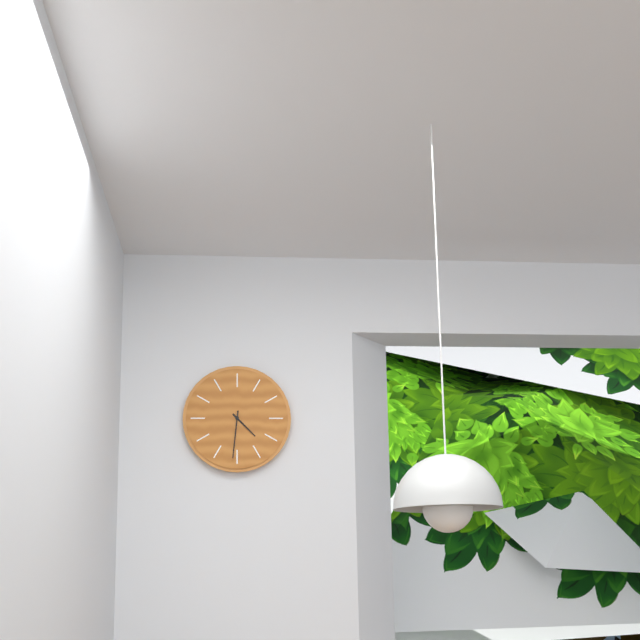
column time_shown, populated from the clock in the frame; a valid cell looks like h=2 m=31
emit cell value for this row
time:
h=4 m=31
